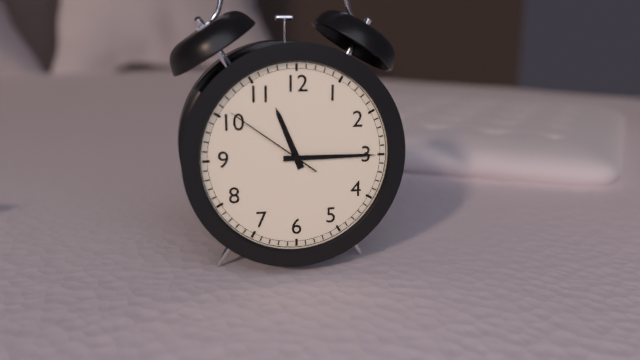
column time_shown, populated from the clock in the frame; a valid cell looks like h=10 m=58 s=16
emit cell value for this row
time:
h=11 m=15 s=51
